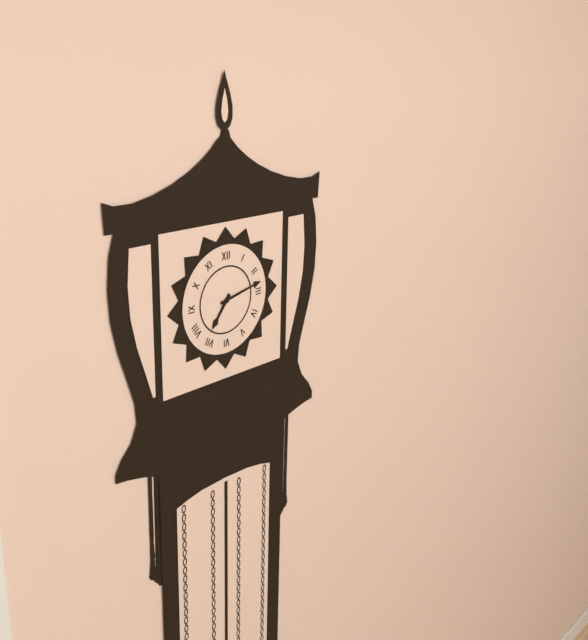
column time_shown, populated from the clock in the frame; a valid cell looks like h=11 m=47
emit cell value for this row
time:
h=7 m=13
